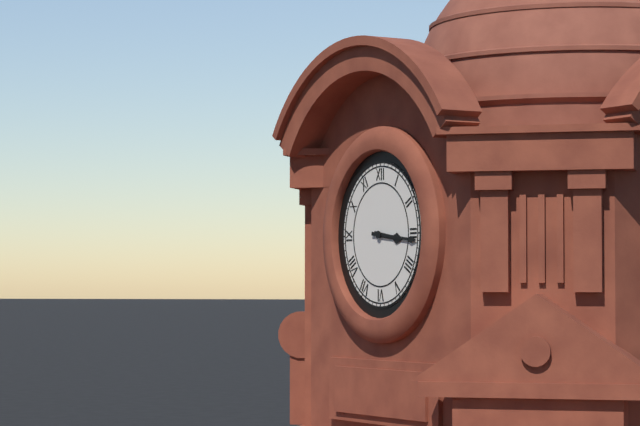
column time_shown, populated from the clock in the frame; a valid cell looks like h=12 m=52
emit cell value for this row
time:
h=3 m=16
